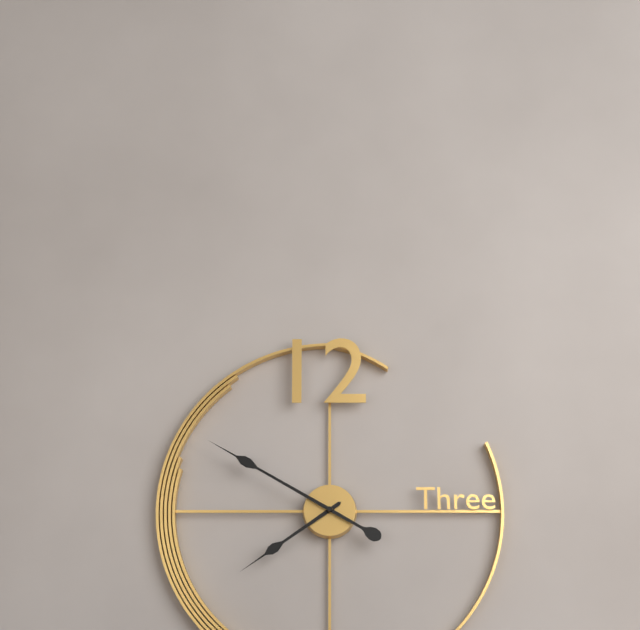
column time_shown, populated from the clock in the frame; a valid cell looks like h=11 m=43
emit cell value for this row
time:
h=7 m=50
